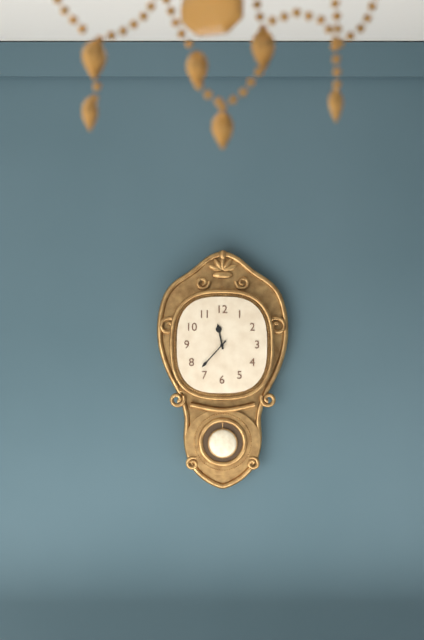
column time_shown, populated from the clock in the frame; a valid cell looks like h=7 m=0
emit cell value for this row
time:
h=11 m=37
